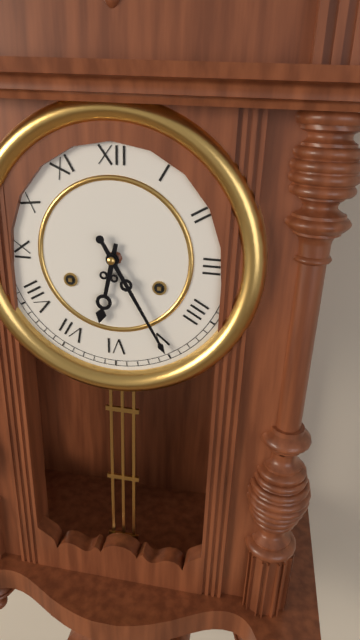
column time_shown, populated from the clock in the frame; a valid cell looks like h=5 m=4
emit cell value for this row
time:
h=6 m=25
